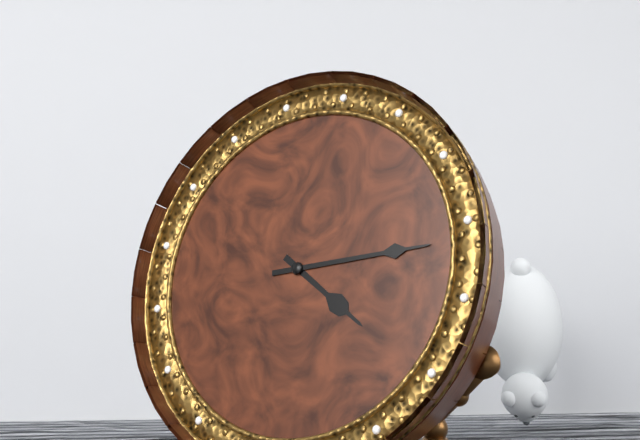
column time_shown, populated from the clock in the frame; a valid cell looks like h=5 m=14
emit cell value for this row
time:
h=4 m=14
